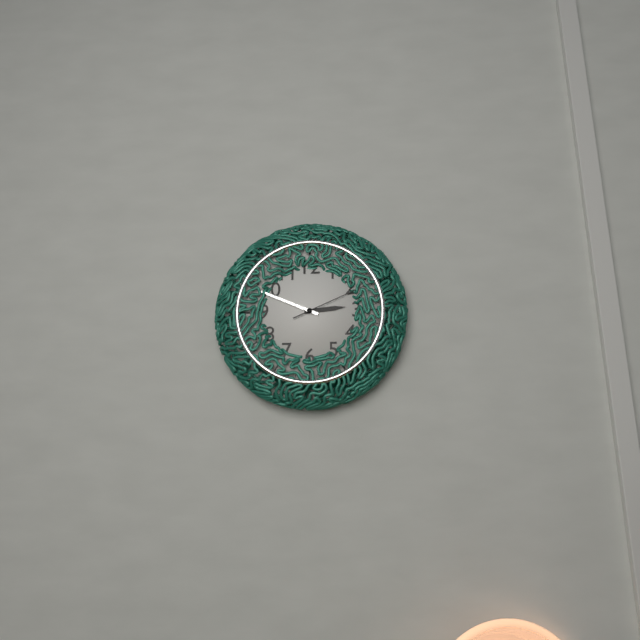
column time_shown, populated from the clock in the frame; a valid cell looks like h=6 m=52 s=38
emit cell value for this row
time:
h=2 m=49 s=11
